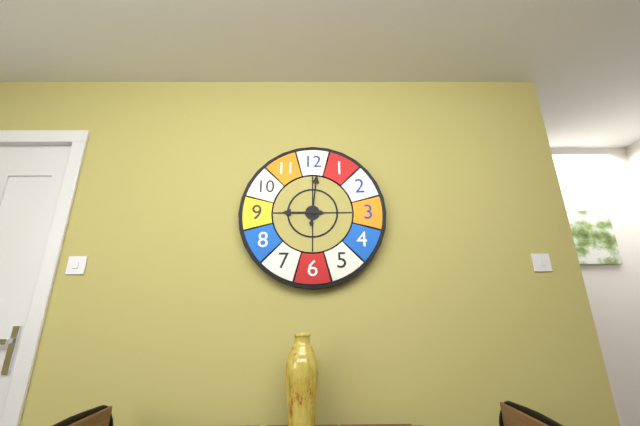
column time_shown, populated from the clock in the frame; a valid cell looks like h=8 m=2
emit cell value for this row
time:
h=9 m=1
